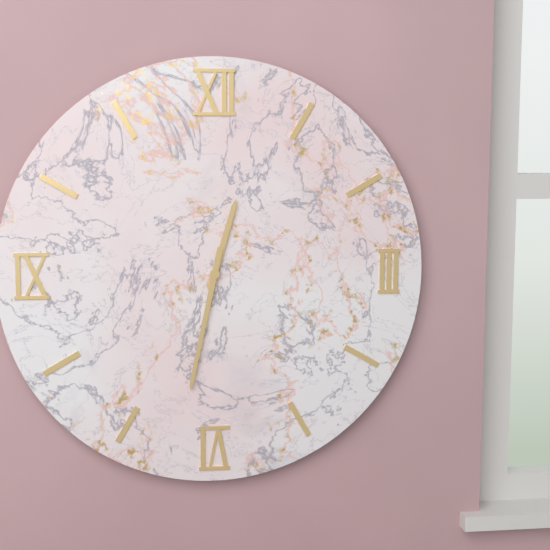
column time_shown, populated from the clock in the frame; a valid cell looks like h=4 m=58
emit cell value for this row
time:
h=12 m=32
